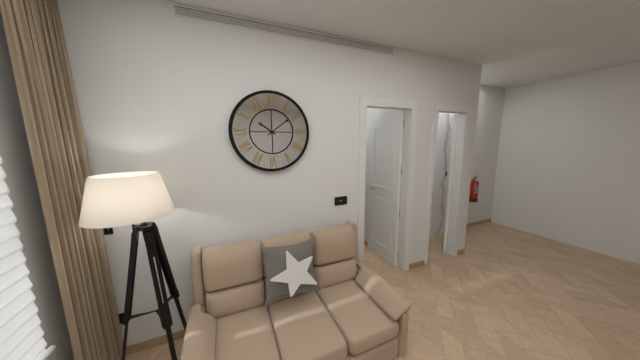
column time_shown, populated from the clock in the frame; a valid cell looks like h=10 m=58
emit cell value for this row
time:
h=10 m=9
